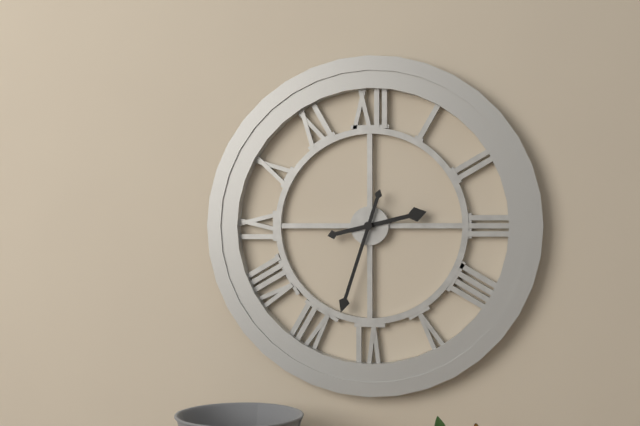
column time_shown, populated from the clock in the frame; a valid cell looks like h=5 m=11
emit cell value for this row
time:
h=2 m=33
